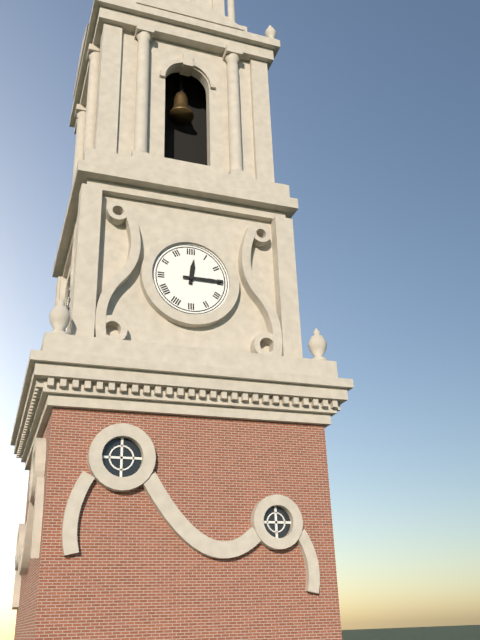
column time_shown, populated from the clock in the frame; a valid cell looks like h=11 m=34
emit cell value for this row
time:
h=12 m=15
